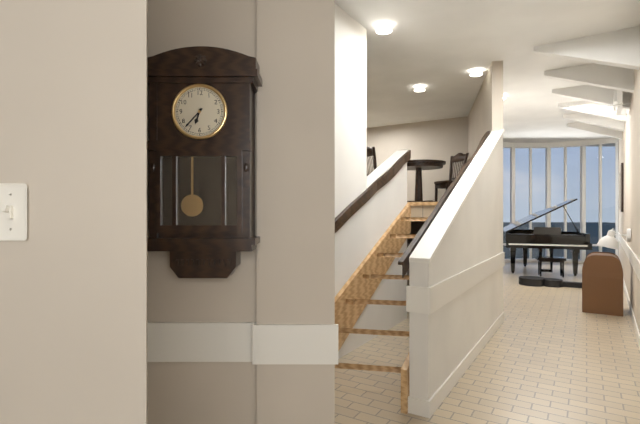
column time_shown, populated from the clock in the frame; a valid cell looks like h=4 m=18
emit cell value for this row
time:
h=6 m=37
